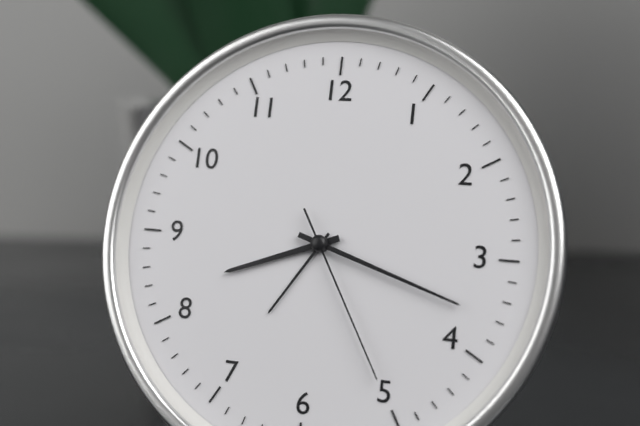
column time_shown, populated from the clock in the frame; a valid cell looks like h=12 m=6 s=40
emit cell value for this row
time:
h=8 m=18 s=25
